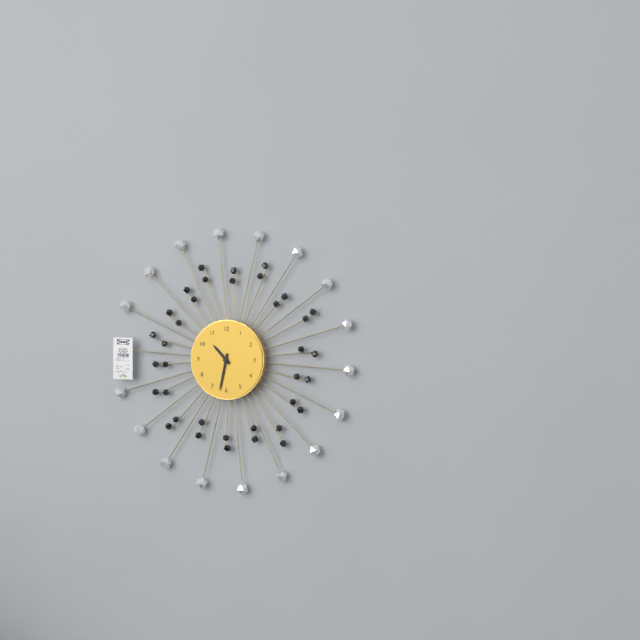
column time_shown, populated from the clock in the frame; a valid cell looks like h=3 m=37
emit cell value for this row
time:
h=10 m=32
